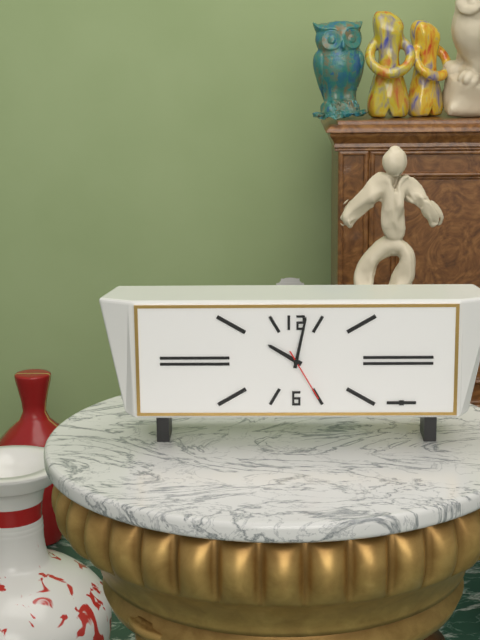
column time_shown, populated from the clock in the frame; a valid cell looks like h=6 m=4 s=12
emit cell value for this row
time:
h=10 m=2 s=25
